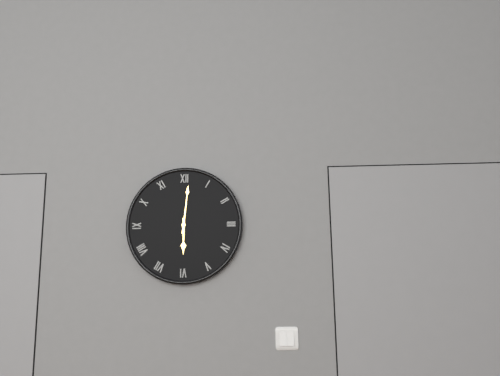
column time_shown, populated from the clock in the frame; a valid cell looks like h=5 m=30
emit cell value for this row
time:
h=6 m=1
